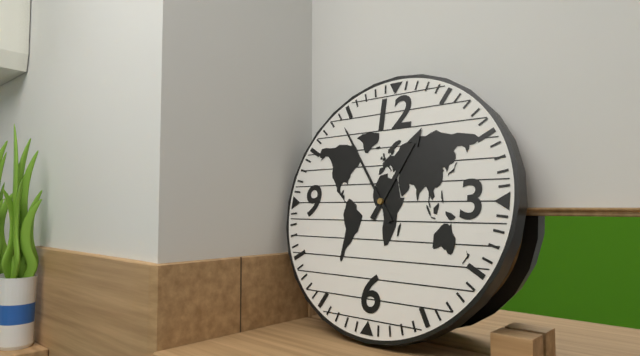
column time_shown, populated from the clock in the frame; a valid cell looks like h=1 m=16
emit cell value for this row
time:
h=12 m=54
